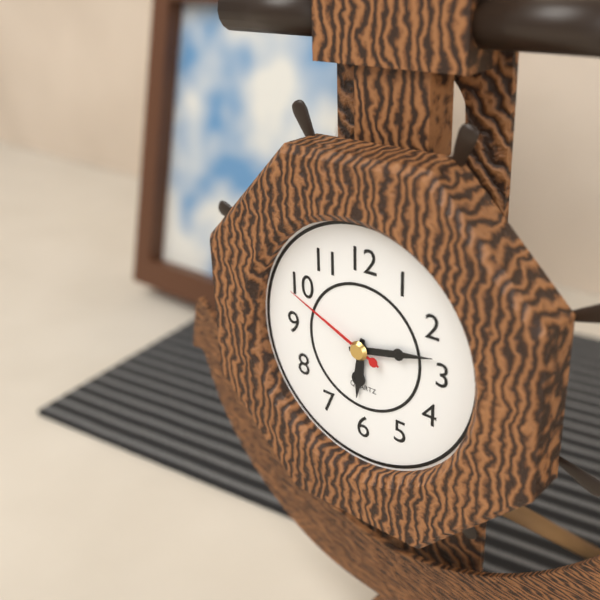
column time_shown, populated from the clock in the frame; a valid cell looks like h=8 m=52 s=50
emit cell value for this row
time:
h=6 m=13 s=49
